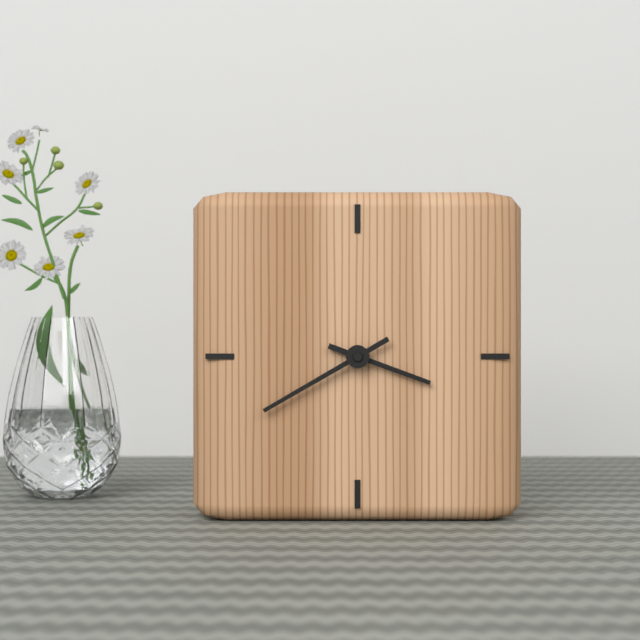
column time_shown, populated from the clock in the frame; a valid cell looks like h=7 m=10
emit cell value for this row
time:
h=3 m=40
